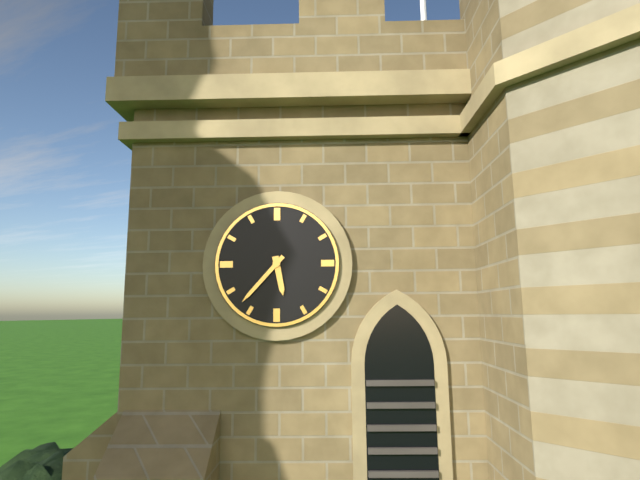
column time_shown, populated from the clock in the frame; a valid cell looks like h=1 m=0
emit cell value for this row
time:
h=5 m=37
